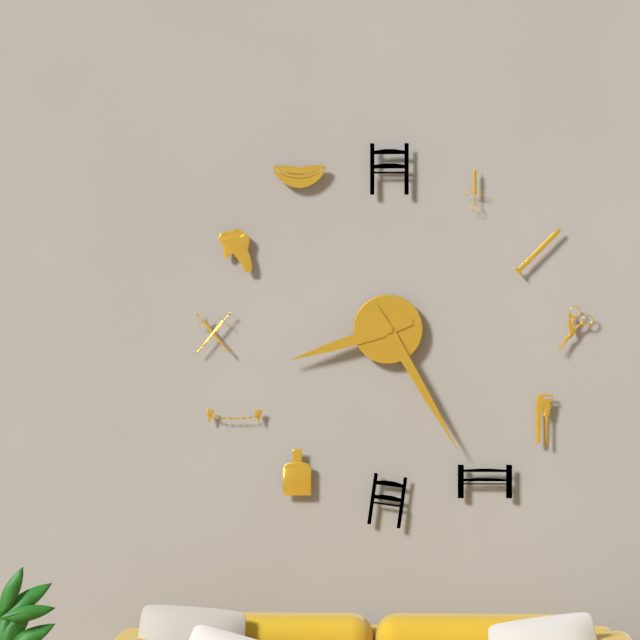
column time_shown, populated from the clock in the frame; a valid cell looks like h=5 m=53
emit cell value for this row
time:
h=8 m=25
